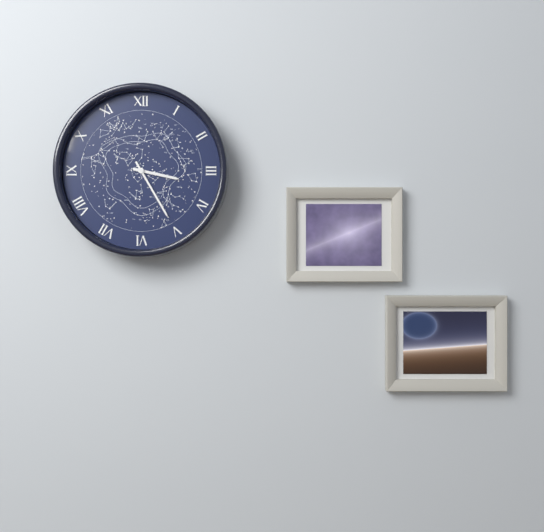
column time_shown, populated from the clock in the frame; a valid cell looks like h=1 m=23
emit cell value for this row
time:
h=3 m=25
